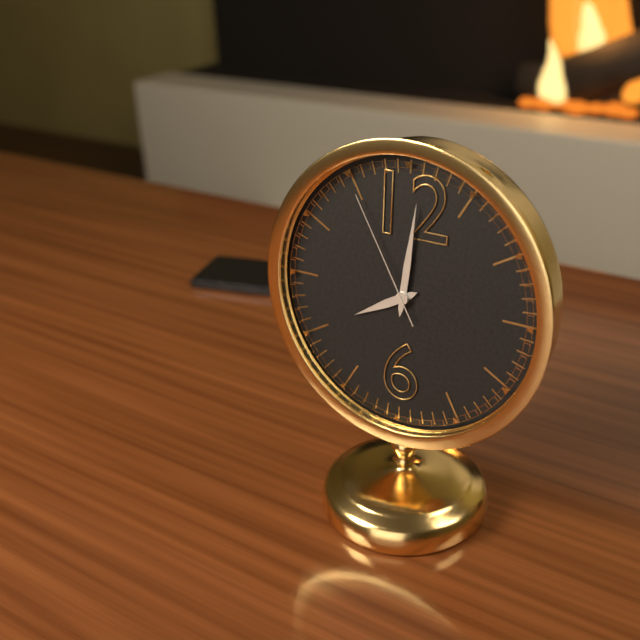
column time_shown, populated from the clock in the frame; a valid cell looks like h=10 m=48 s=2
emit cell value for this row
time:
h=8 m=1 s=55
